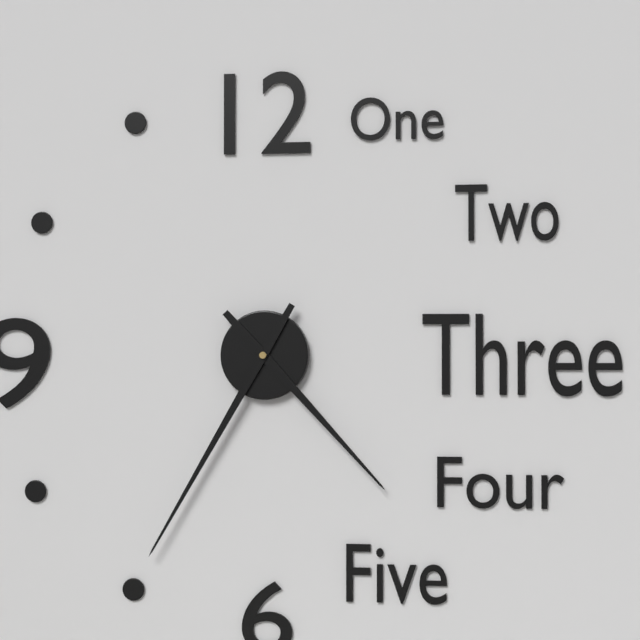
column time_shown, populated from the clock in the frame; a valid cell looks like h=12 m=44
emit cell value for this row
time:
h=4 m=35
